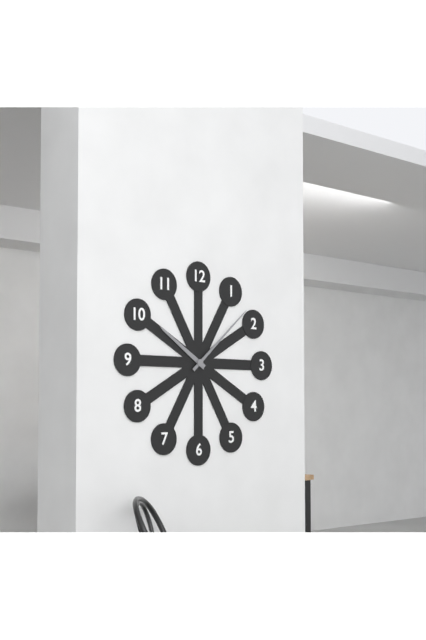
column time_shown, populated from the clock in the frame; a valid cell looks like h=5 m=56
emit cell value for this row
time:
h=10 m=8
